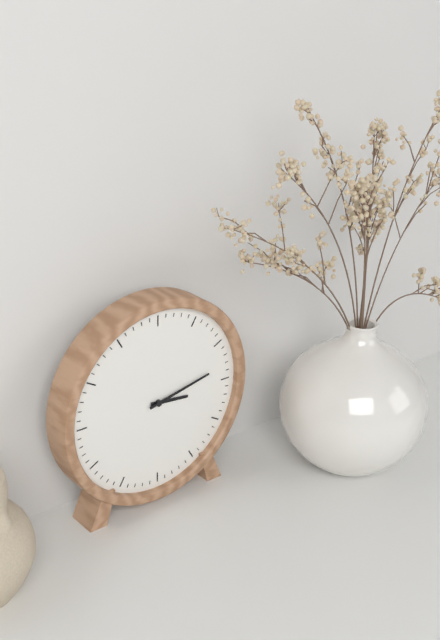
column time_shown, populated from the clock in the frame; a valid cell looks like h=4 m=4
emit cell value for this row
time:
h=3 m=13
